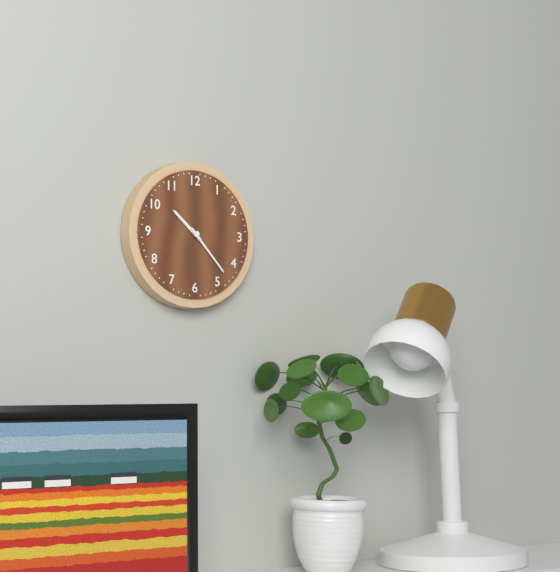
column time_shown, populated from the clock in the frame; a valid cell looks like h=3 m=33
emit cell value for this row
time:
h=10 m=23
